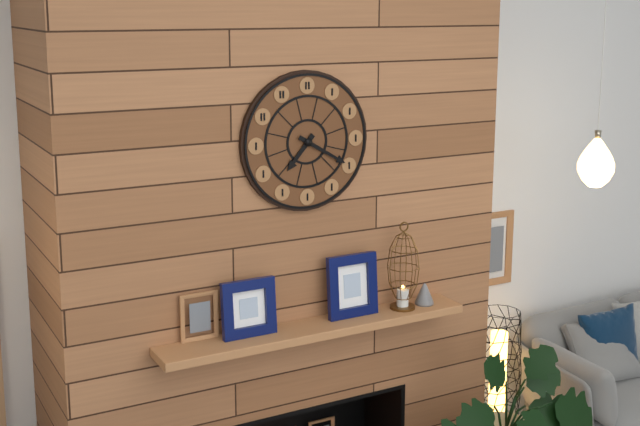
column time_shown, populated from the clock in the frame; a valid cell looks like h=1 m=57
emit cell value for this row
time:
h=7 m=20
